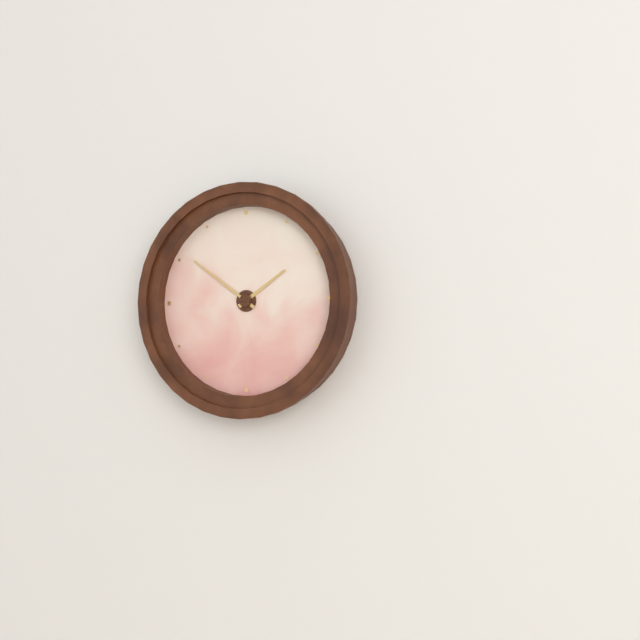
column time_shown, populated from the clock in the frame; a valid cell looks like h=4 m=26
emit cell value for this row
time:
h=1 m=51
